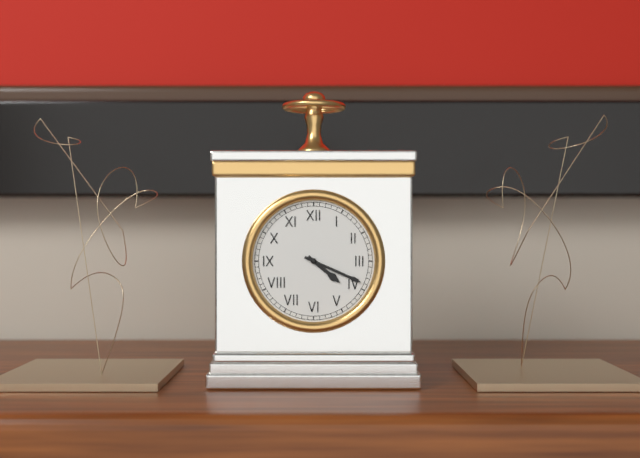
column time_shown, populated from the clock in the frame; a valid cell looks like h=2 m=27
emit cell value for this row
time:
h=4 m=19
